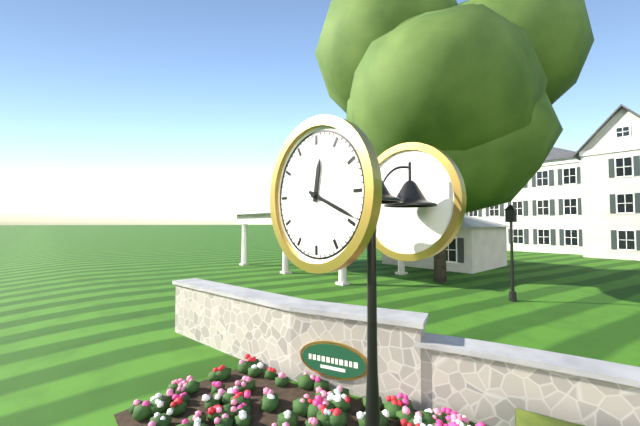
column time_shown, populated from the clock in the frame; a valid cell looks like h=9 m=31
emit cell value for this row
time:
h=12 m=19
